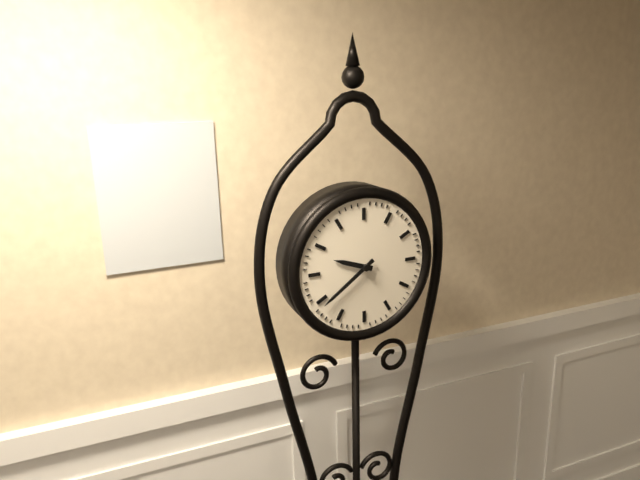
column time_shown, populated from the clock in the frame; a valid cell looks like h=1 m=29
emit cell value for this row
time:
h=9 m=39
